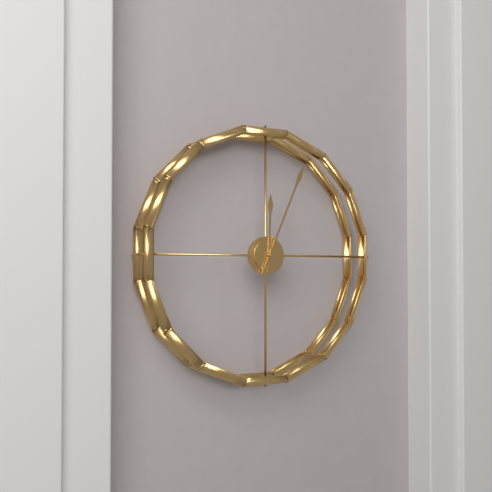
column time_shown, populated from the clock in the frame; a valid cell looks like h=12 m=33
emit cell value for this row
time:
h=12 m=4
